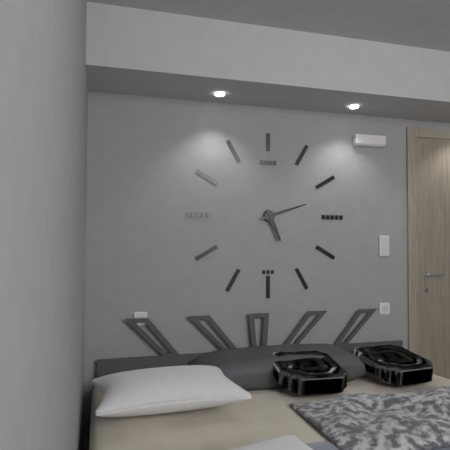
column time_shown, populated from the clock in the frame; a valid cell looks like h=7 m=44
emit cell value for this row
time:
h=5 m=12
